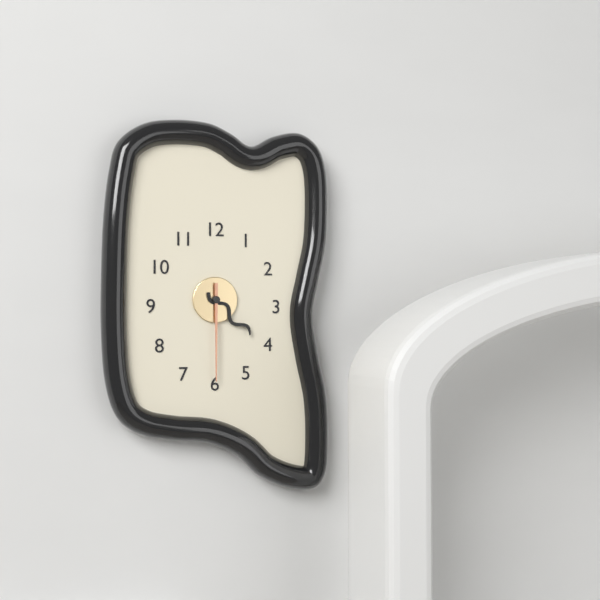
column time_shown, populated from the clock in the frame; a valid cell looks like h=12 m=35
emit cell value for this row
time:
h=4 m=30
